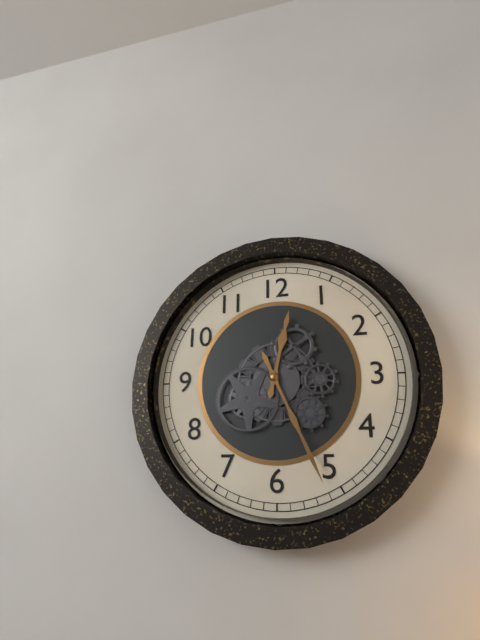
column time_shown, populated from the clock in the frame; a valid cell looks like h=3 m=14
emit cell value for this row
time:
h=12 m=26
